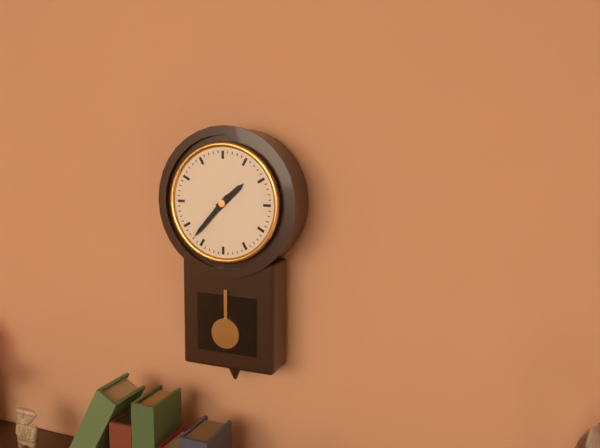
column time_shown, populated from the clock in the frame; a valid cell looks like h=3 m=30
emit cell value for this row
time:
h=1 m=37
